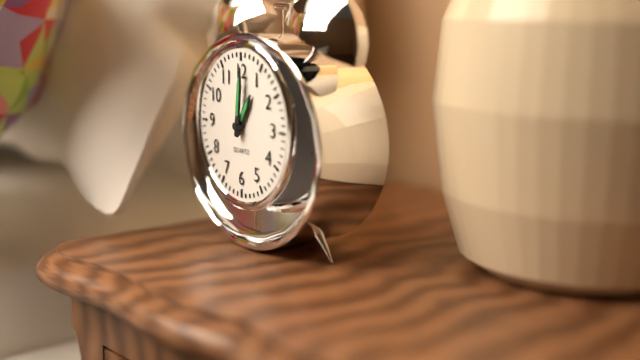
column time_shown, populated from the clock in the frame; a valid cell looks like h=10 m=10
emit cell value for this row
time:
h=1 m=1
